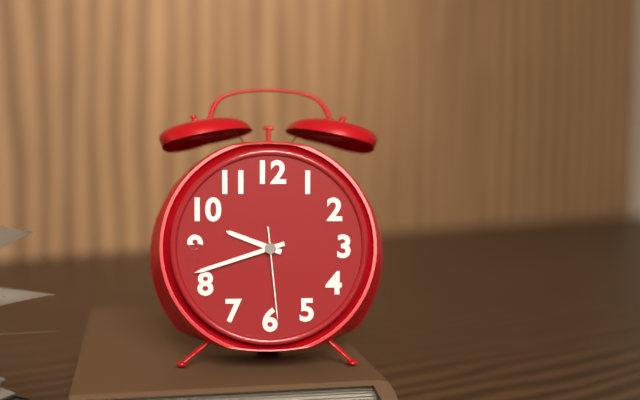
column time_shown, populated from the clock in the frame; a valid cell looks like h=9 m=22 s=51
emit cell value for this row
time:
h=9 m=42 s=29
